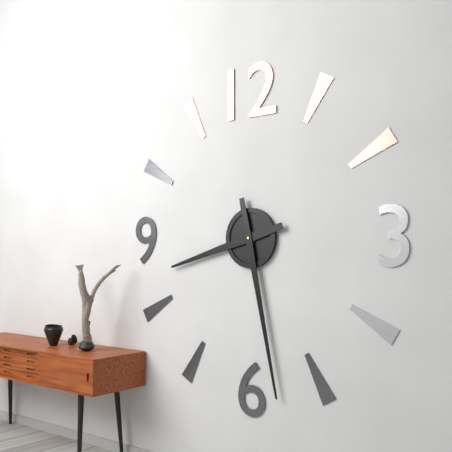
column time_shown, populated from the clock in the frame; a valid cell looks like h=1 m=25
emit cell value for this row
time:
h=8 m=28
